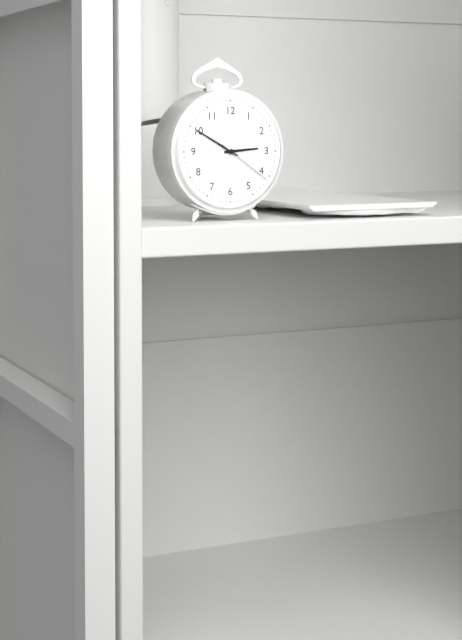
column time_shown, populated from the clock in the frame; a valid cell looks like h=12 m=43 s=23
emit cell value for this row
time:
h=2 m=50 s=21
